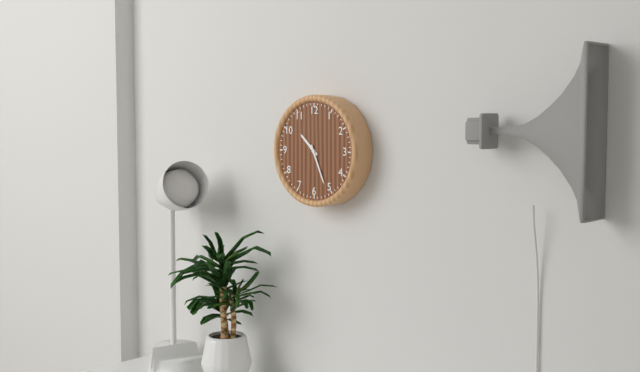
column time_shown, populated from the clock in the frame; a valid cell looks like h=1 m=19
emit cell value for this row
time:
h=10 m=26
